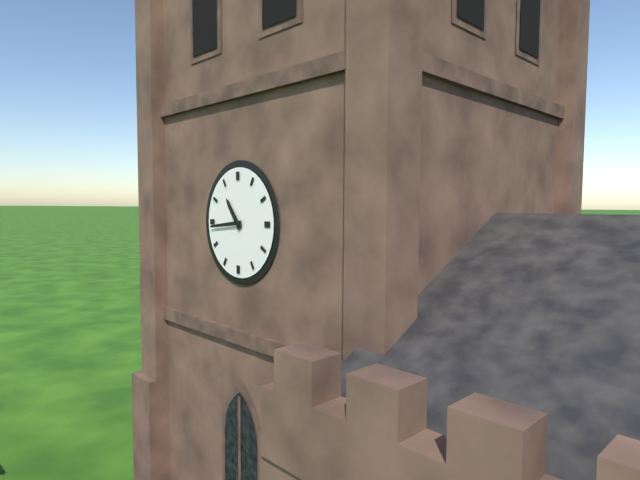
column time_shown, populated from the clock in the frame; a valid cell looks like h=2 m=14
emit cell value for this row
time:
h=10 m=44
